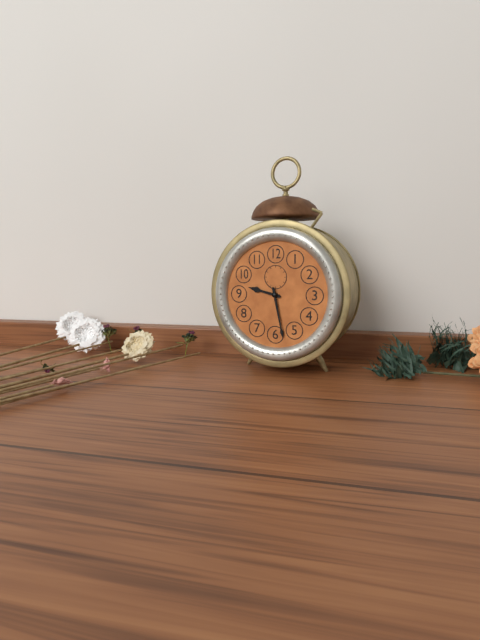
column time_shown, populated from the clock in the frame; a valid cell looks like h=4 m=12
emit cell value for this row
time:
h=9 m=28
